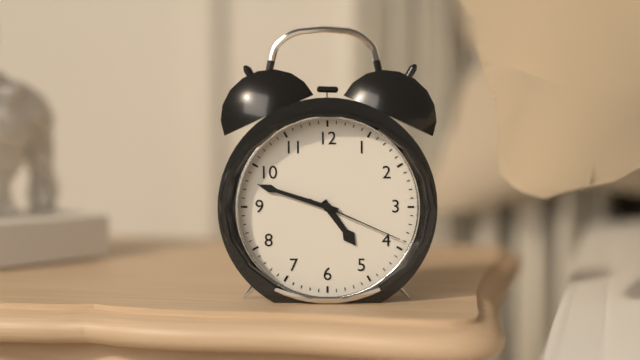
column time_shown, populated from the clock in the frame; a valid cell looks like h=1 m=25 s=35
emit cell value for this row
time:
h=4 m=48 s=19
